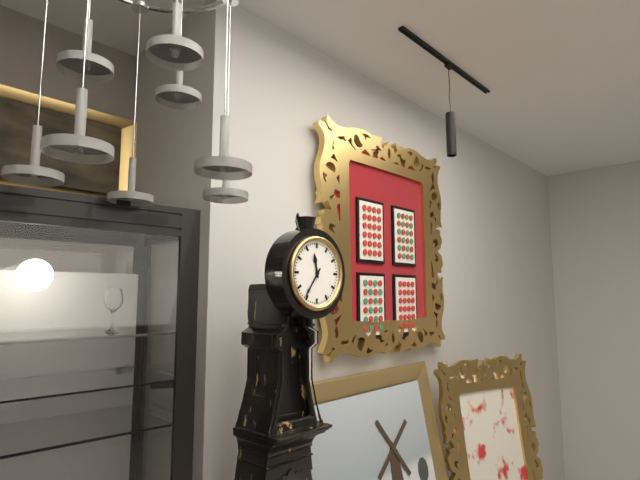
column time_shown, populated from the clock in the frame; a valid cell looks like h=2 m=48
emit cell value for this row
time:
h=11 m=36
